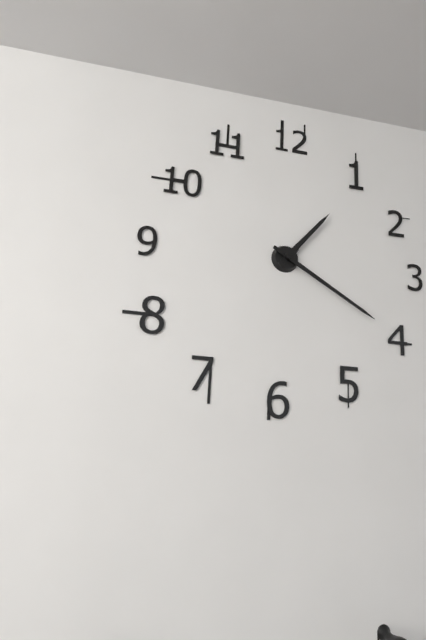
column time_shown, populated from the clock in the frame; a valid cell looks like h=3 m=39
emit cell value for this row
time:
h=1 m=20
